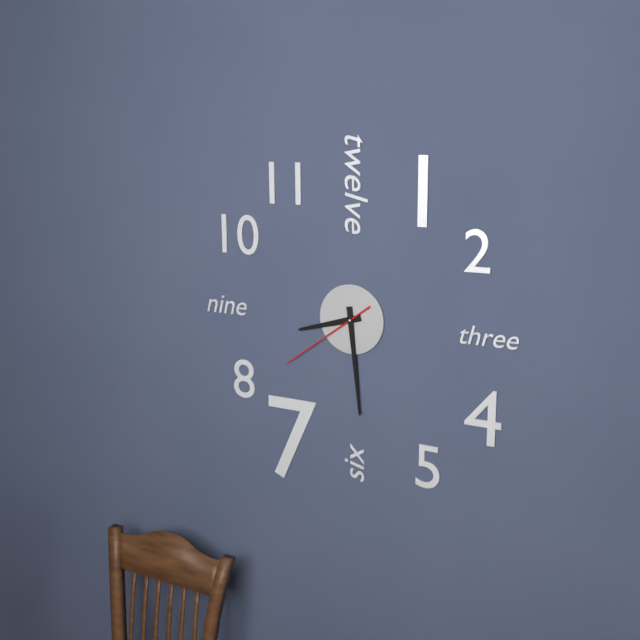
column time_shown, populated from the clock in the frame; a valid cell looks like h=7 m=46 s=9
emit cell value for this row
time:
h=8 m=29 s=39
